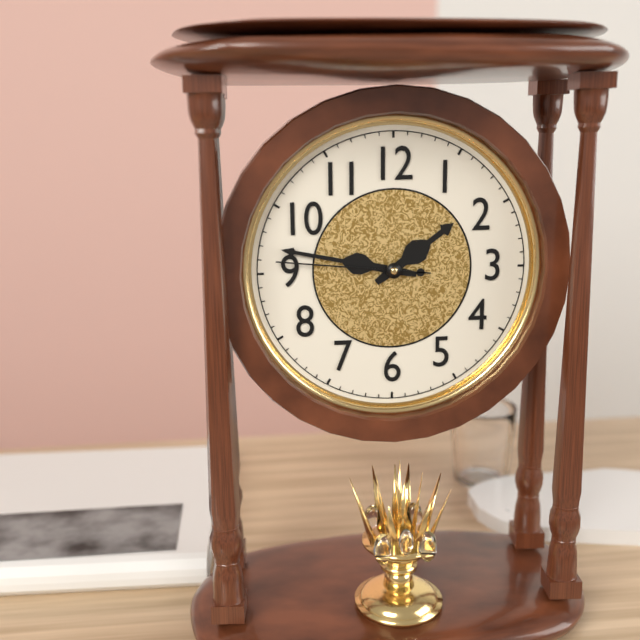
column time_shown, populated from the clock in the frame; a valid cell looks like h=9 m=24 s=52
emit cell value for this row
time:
h=1 m=47 s=46
